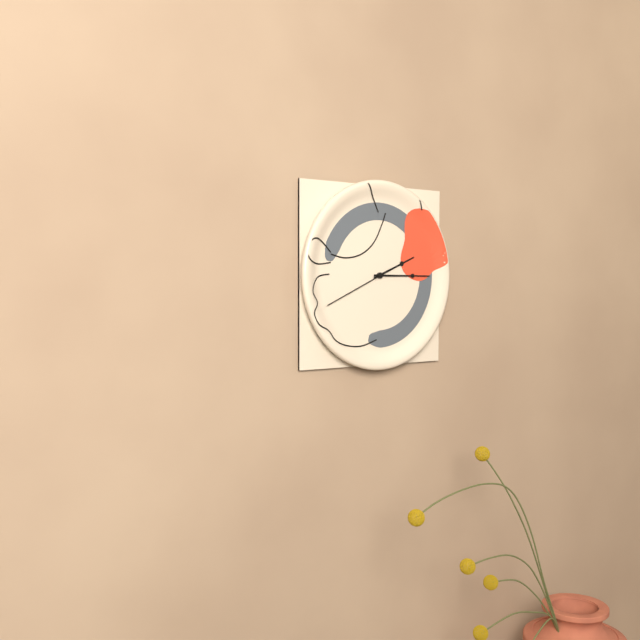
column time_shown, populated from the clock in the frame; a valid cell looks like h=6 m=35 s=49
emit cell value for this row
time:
h=2 m=15 s=41
